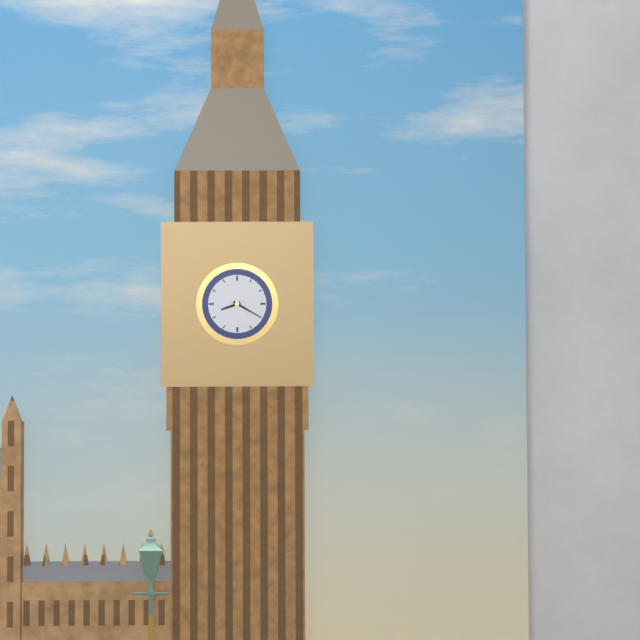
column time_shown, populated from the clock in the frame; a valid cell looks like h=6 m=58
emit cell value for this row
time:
h=8 m=20
